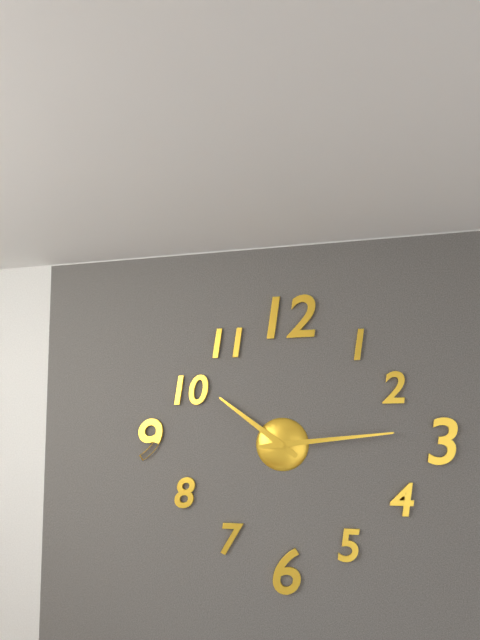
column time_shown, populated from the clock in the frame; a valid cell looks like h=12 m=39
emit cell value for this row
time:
h=10 m=14
